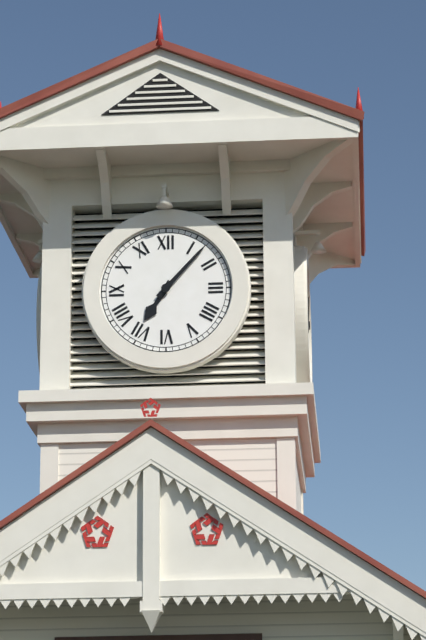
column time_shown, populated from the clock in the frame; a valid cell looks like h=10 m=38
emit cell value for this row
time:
h=7 m=7
